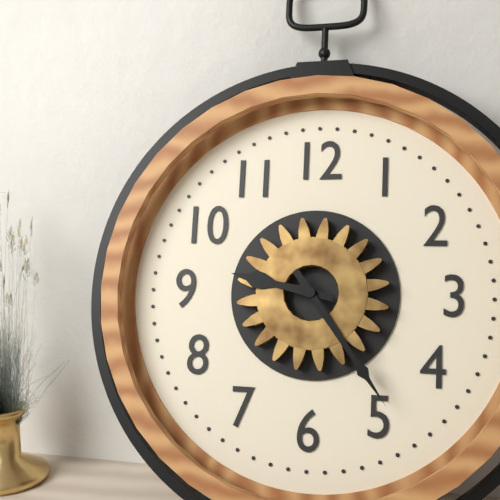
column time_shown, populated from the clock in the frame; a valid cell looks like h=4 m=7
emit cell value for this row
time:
h=9 m=24
